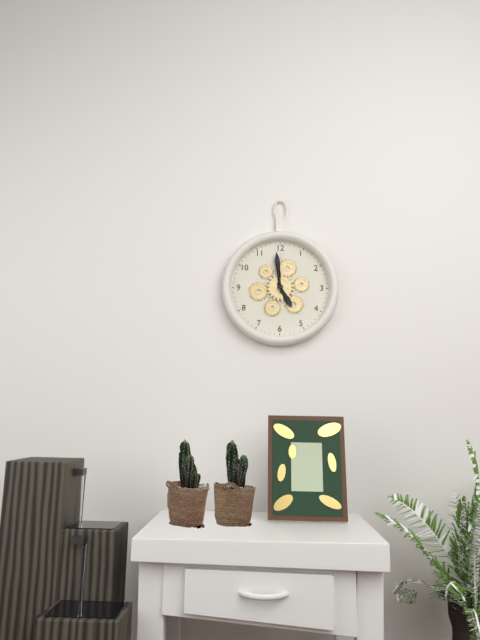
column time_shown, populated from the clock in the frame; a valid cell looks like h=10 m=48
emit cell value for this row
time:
h=4 m=59
